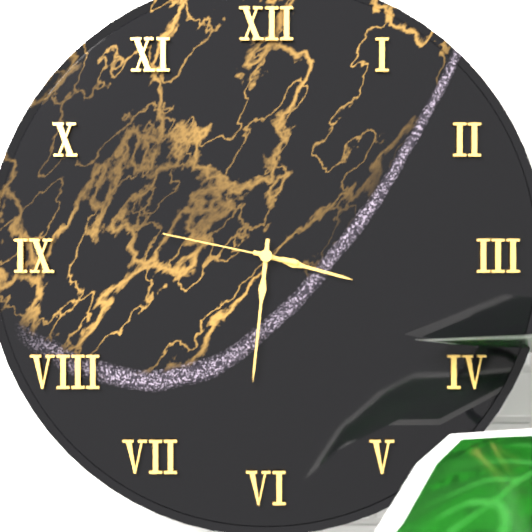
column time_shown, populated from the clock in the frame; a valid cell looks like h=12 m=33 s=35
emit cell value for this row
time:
h=3 m=31 s=47
